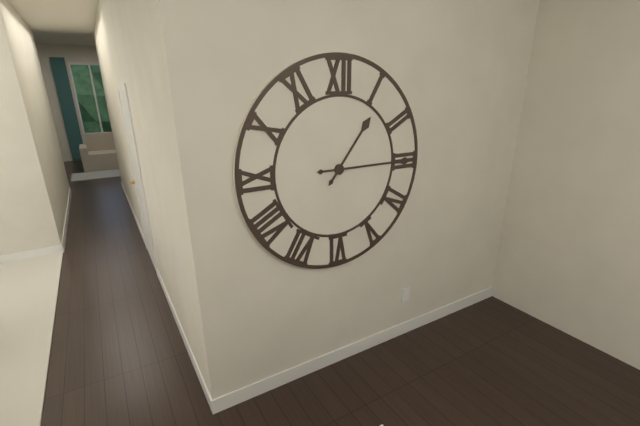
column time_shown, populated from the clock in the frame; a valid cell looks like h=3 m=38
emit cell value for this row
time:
h=1 m=15
